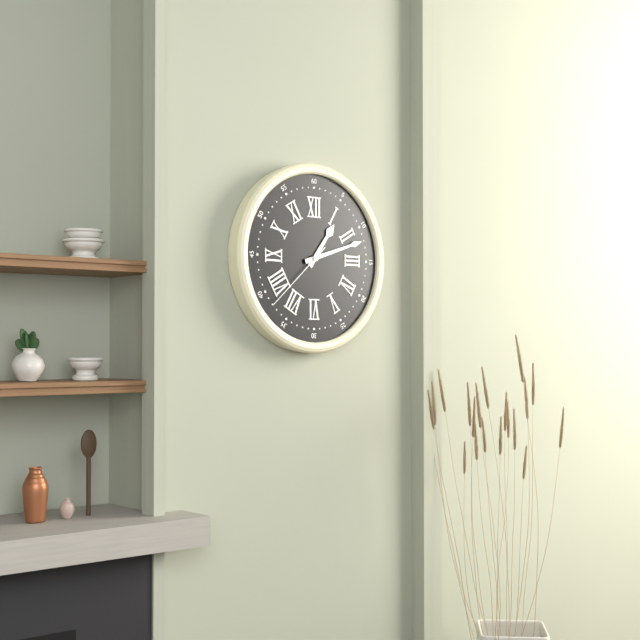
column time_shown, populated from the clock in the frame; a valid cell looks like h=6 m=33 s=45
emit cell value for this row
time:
h=1 m=12 s=38
